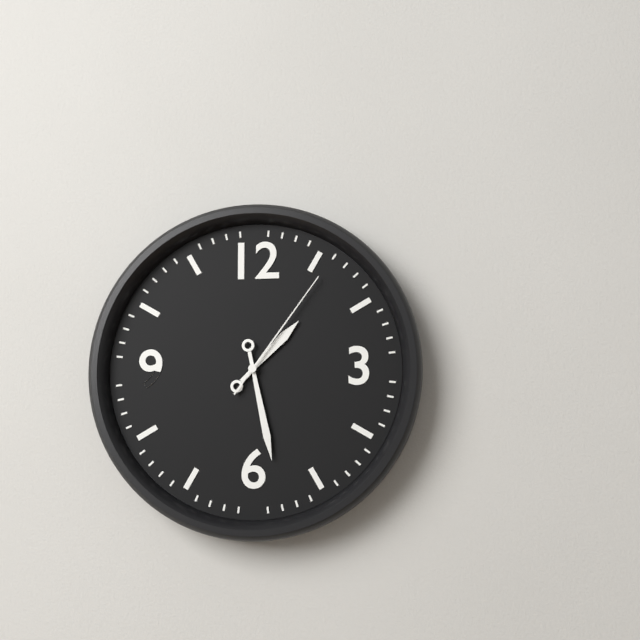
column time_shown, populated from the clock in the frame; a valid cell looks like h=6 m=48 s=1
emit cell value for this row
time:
h=1 m=28 s=6
